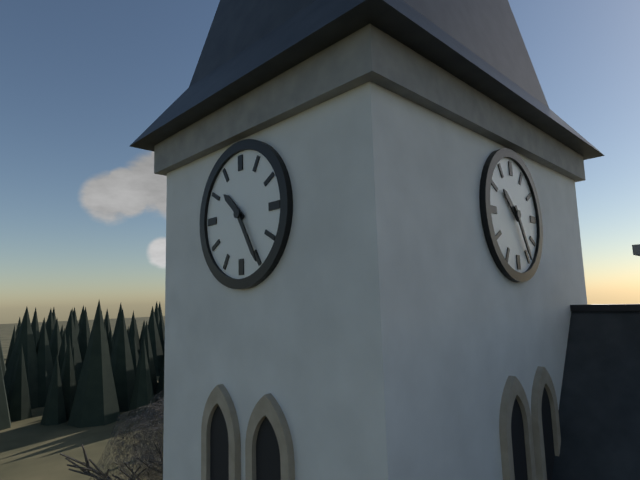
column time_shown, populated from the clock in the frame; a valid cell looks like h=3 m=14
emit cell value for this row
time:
h=10 m=25
